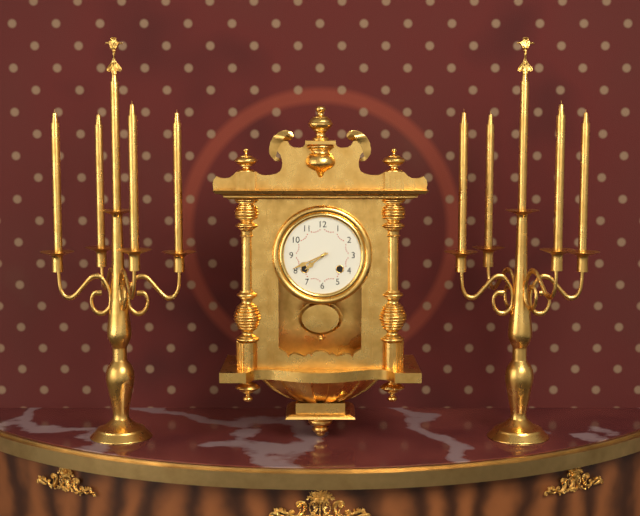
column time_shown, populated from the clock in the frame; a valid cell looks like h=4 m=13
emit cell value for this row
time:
h=7 m=41
